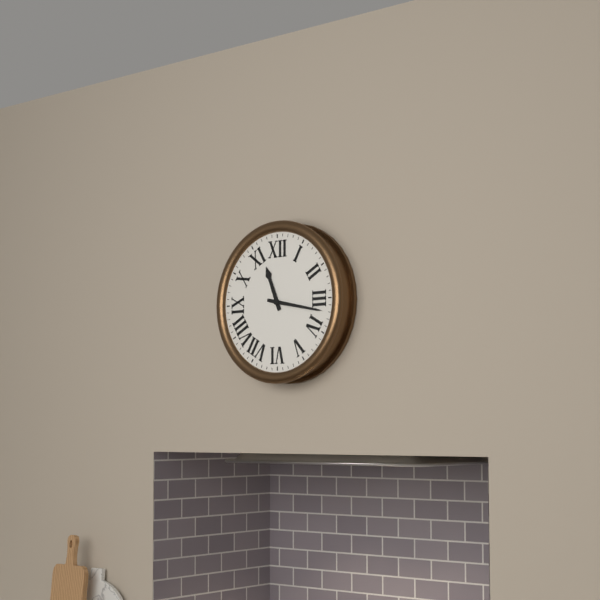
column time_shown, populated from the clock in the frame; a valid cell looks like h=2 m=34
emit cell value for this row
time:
h=11 m=17
